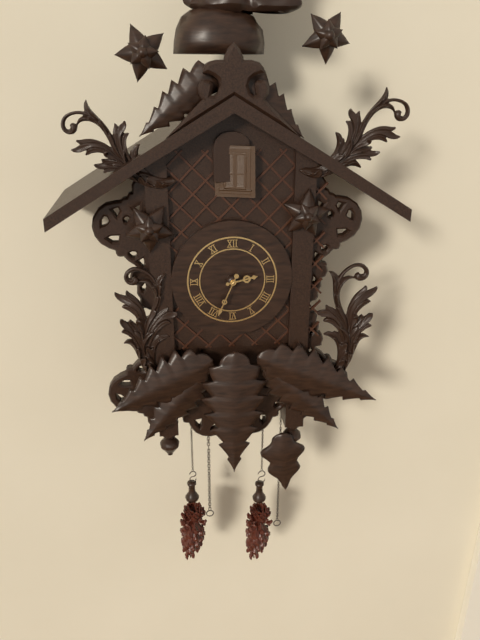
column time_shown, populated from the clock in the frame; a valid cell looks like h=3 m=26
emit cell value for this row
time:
h=2 m=34
